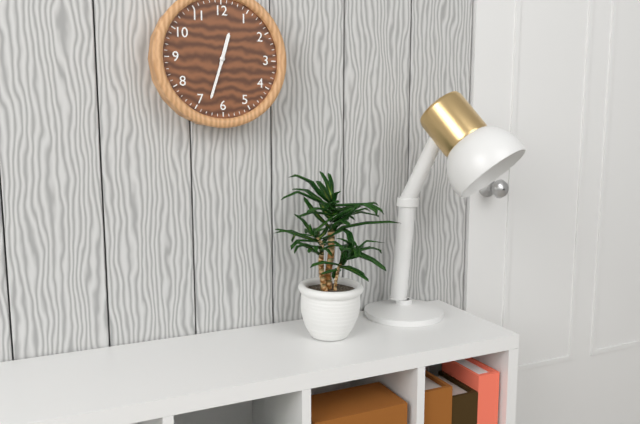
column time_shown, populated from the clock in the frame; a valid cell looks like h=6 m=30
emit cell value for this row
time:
h=12 m=33
